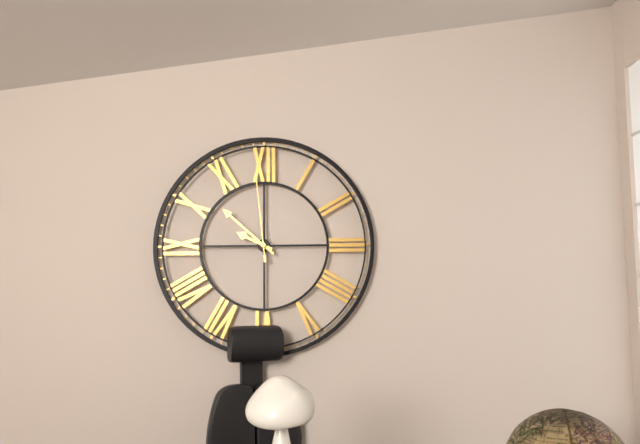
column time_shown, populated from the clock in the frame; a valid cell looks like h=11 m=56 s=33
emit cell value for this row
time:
h=9 m=52 s=59
